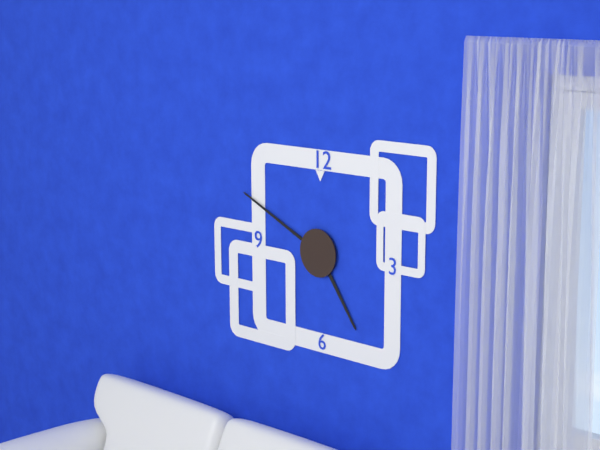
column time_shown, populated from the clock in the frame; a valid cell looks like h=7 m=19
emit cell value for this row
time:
h=4 m=49
